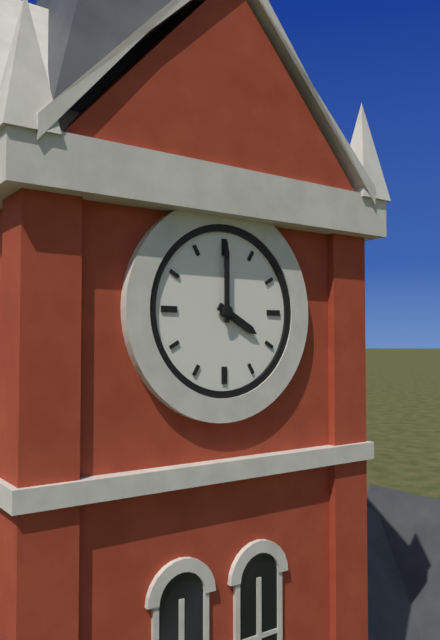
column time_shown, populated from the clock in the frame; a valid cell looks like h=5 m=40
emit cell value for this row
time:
h=4 m=0
